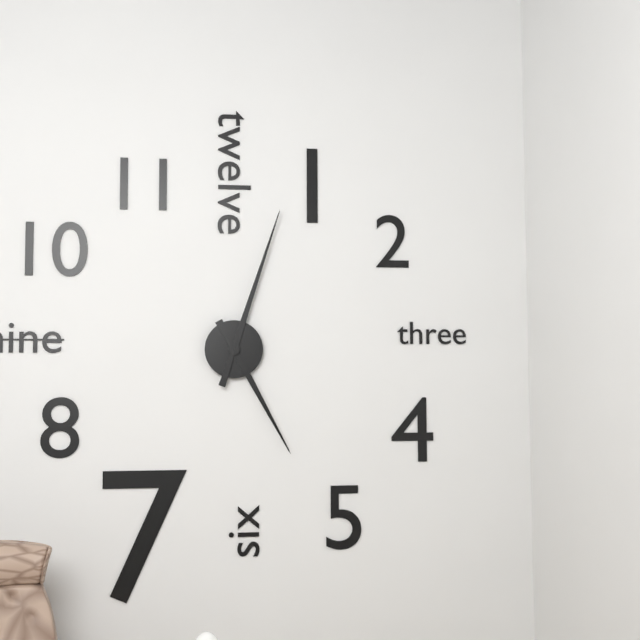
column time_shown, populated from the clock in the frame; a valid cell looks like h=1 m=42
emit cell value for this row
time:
h=5 m=3
